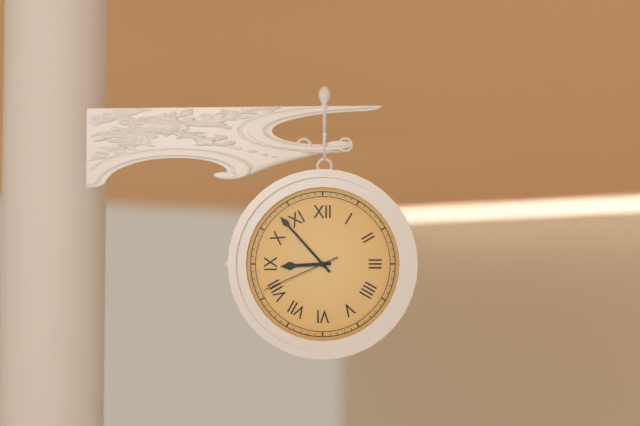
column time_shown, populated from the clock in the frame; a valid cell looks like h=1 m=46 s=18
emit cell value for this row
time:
h=8 m=53 s=41
